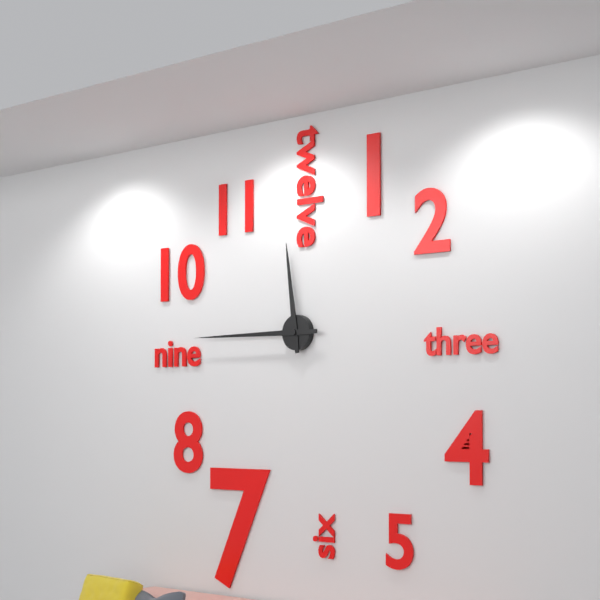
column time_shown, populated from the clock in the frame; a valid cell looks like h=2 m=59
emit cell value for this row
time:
h=11 m=45
